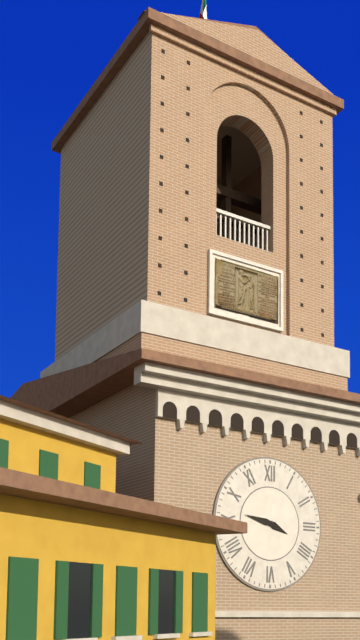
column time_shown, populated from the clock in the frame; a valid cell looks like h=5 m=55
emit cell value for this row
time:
h=3 m=47
